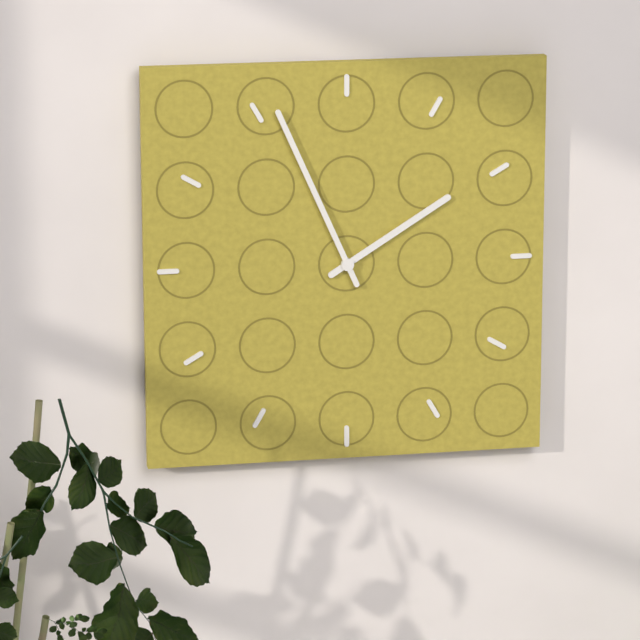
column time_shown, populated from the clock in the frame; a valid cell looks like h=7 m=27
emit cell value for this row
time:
h=1 m=56
